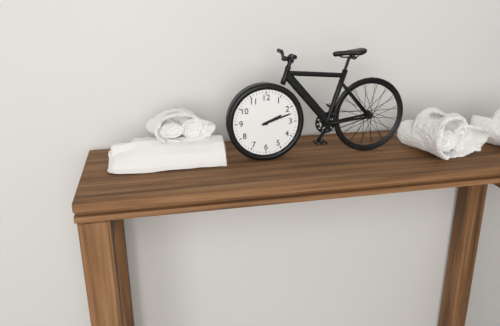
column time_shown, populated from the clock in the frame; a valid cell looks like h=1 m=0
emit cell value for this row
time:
h=2 m=12
